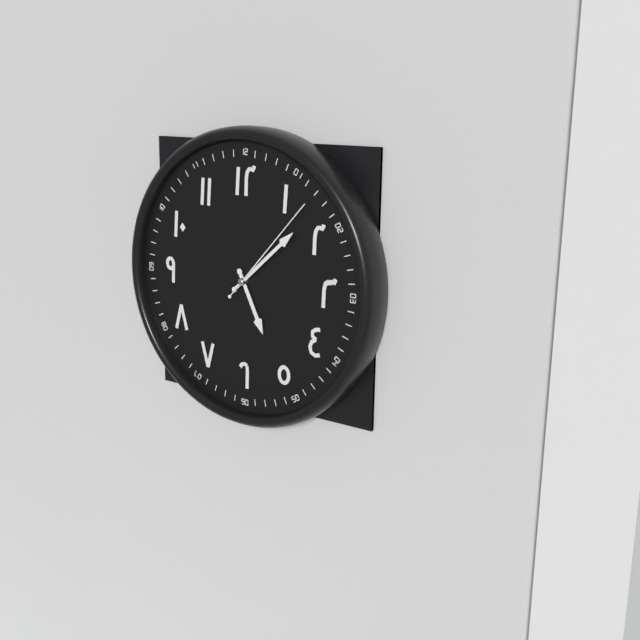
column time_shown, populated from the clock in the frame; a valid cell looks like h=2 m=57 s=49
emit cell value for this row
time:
h=5 m=8 s=7
